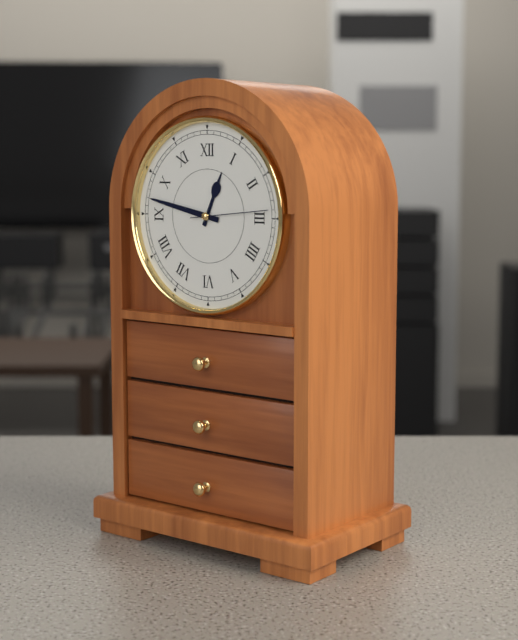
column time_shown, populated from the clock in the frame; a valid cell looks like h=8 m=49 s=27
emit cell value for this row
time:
h=12 m=47 s=14
